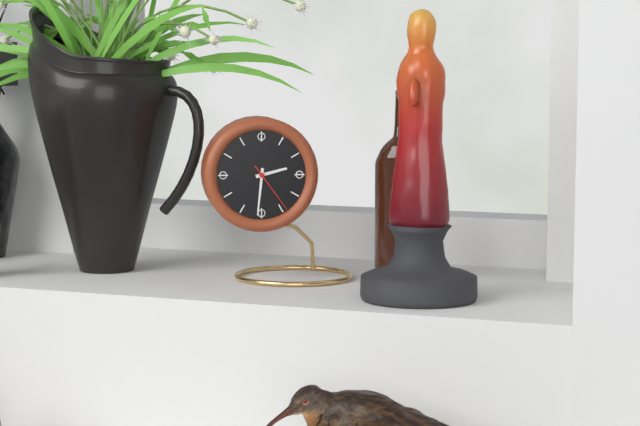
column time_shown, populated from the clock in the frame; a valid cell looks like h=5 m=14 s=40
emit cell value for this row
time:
h=2 m=31 s=24
